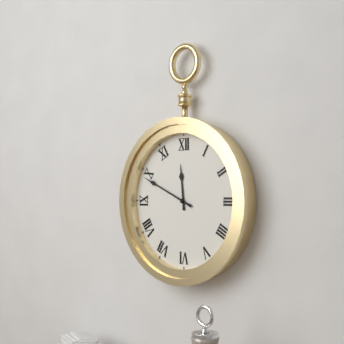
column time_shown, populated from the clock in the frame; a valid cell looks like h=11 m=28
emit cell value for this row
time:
h=11 m=49
